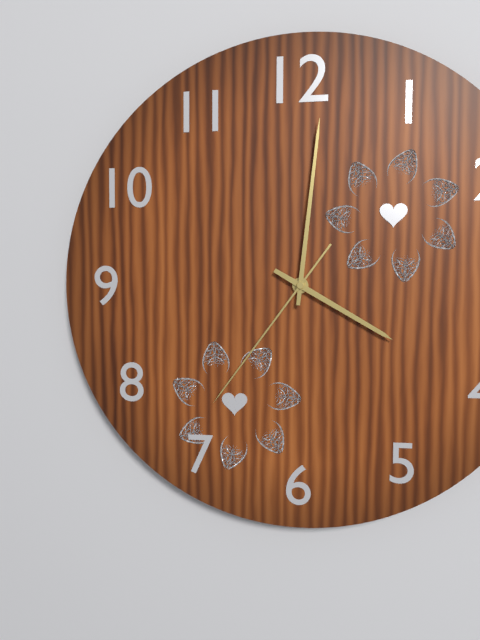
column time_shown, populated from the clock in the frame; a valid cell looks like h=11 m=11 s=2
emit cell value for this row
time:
h=4 m=1 s=36
